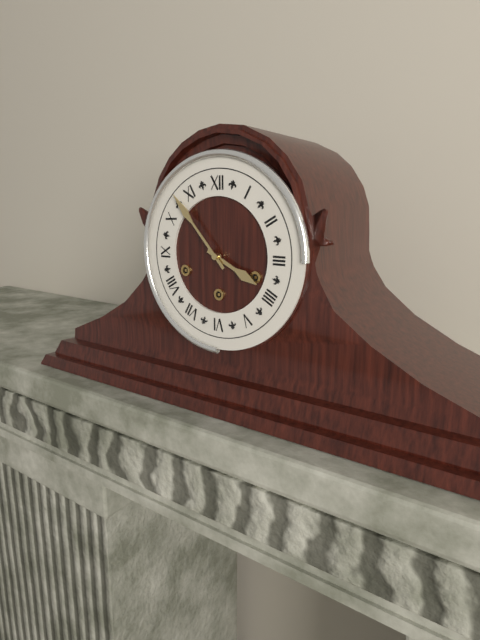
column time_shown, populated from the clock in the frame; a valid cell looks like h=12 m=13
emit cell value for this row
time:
h=3 m=53
